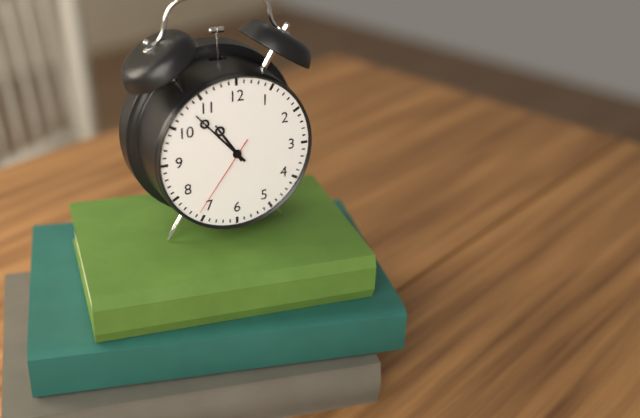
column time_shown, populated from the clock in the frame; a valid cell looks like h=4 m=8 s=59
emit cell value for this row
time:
h=10 m=53 s=36
